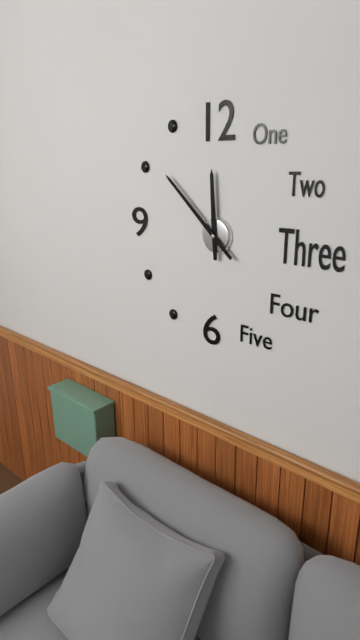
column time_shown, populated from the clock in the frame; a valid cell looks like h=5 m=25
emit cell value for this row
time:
h=11 m=52
